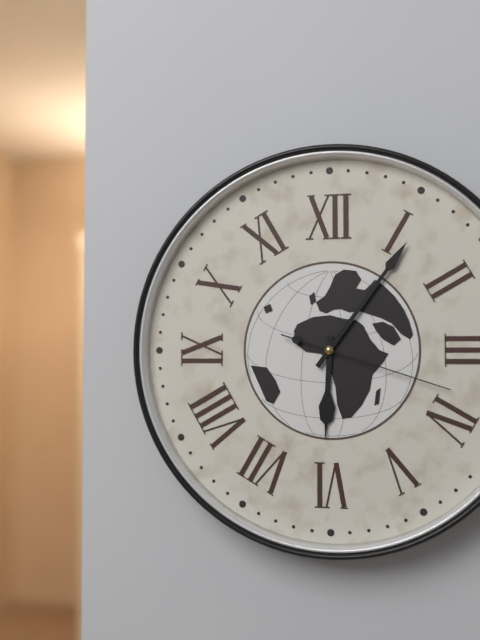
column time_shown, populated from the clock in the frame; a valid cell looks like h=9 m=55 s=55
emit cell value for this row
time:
h=6 m=6 s=18
